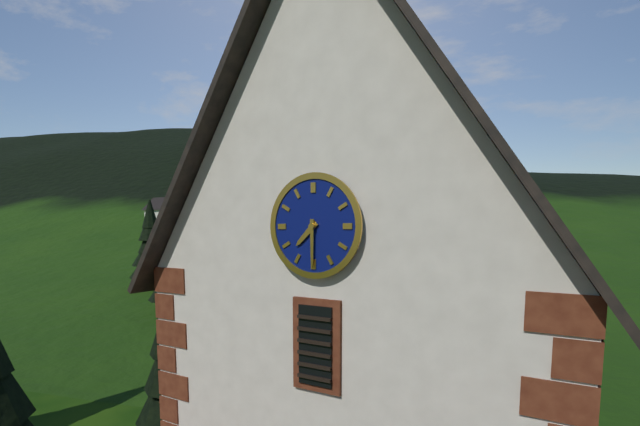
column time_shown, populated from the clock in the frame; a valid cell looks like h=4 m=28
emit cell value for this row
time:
h=7 m=30
